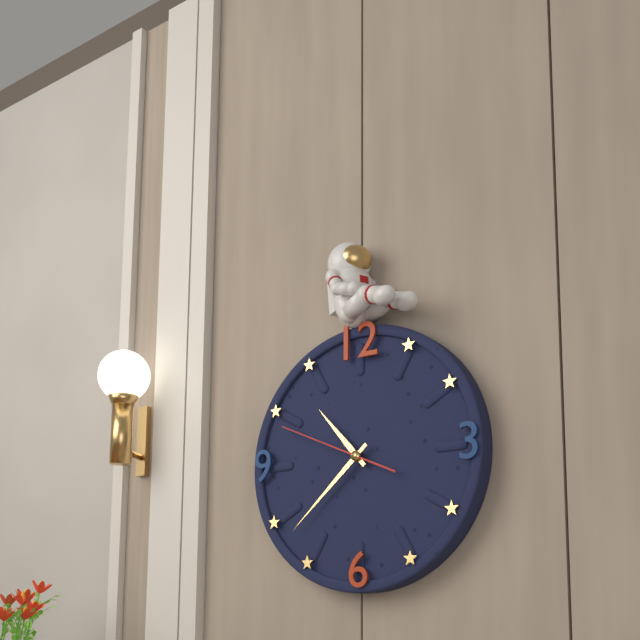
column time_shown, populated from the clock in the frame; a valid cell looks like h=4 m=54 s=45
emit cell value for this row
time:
h=10 m=38 s=49
